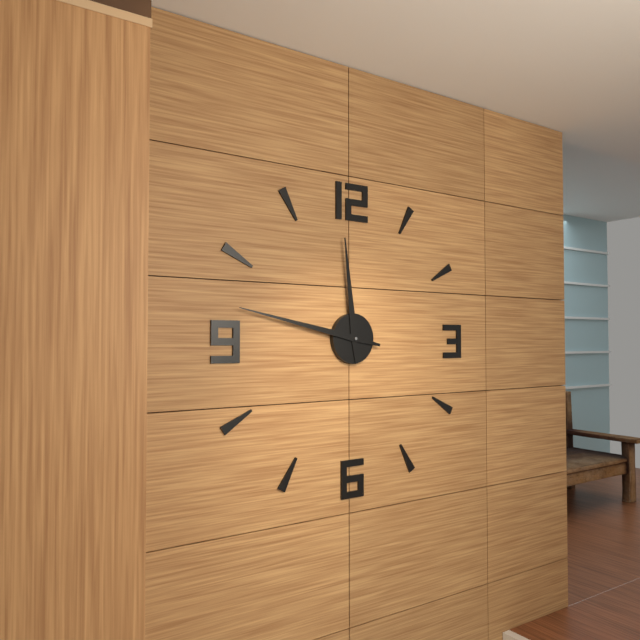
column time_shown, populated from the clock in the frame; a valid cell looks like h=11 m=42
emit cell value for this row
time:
h=11 m=47
